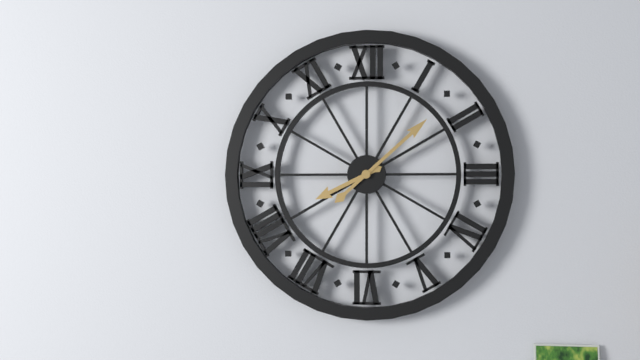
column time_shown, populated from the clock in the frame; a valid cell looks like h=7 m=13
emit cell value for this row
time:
h=8 m=8
